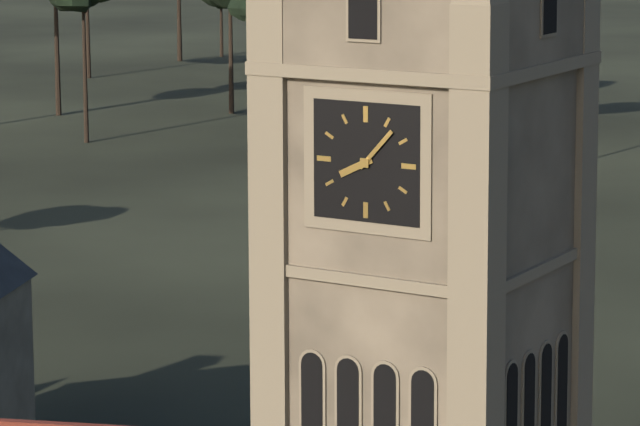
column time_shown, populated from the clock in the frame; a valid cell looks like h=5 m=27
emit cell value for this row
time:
h=8 m=7
